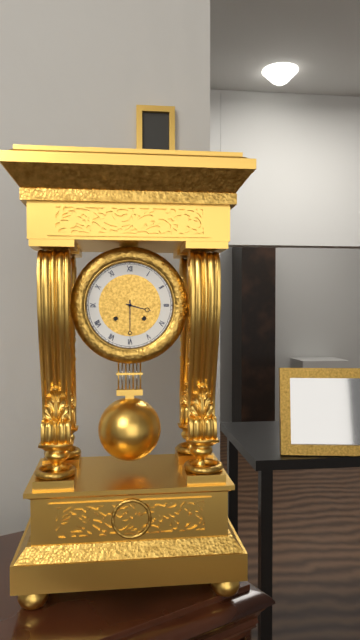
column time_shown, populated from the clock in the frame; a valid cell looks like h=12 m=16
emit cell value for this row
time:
h=3 m=30
